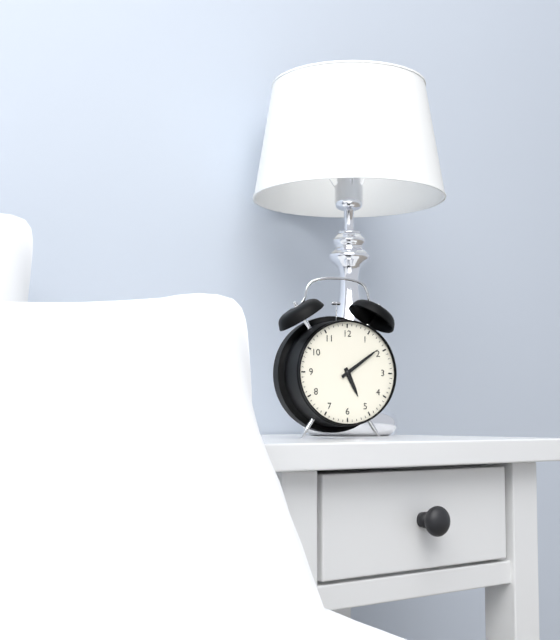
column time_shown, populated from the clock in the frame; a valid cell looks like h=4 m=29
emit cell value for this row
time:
h=5 m=9
